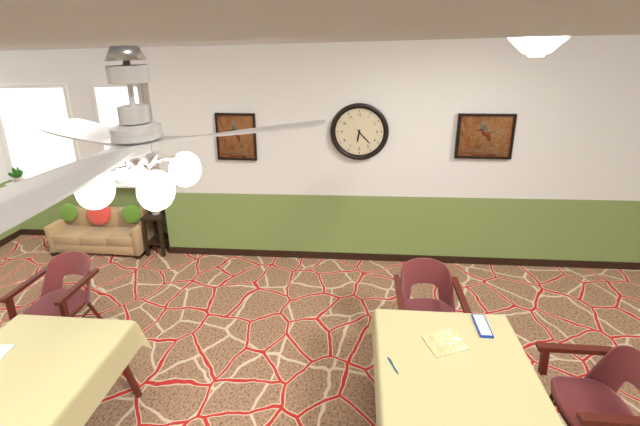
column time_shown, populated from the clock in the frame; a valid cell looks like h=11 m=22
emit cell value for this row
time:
h=6 m=23
